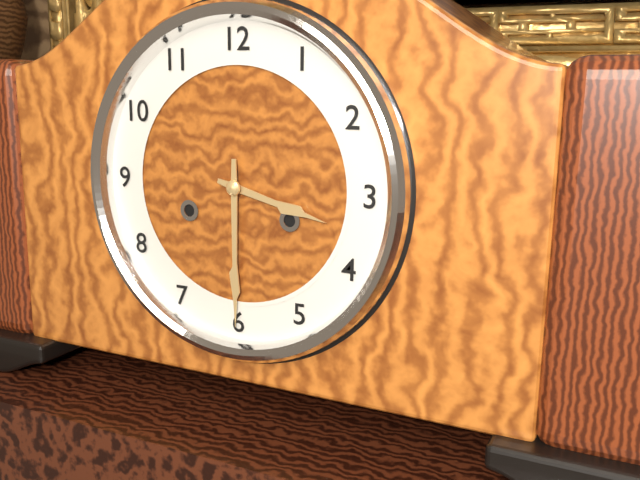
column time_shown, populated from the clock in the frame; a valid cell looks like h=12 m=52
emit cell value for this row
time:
h=3 m=30
